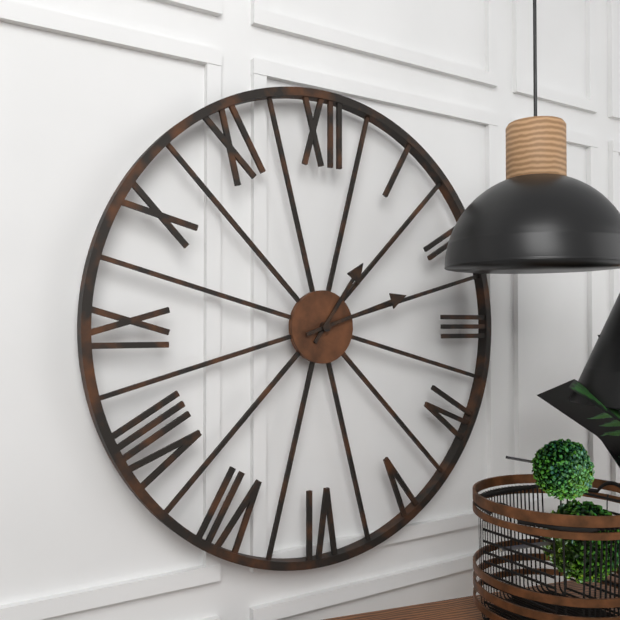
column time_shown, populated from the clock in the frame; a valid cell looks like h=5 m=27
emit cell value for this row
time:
h=1 m=12
